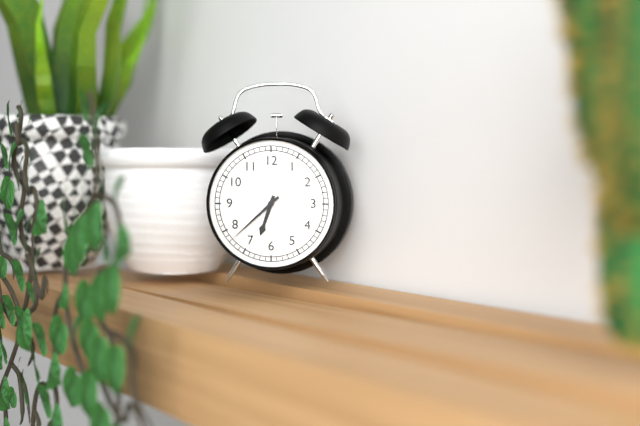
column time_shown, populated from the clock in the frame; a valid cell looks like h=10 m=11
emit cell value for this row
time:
h=6 m=38
